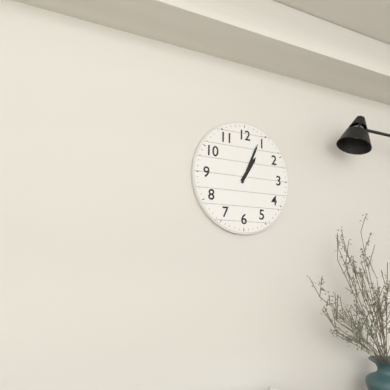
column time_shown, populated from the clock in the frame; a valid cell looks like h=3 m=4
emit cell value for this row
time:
h=1 m=4
